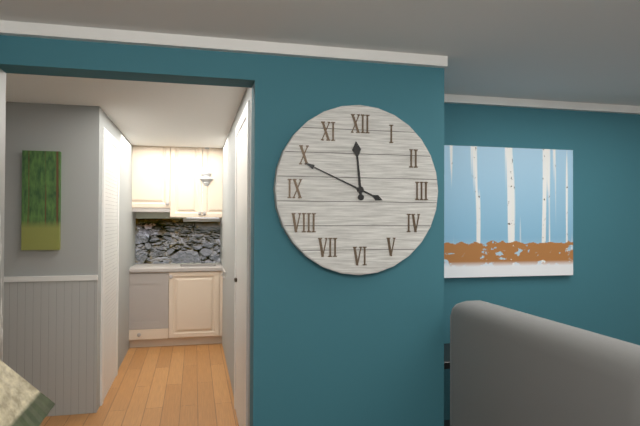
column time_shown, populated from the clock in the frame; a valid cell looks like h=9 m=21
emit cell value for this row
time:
h=11 m=49
